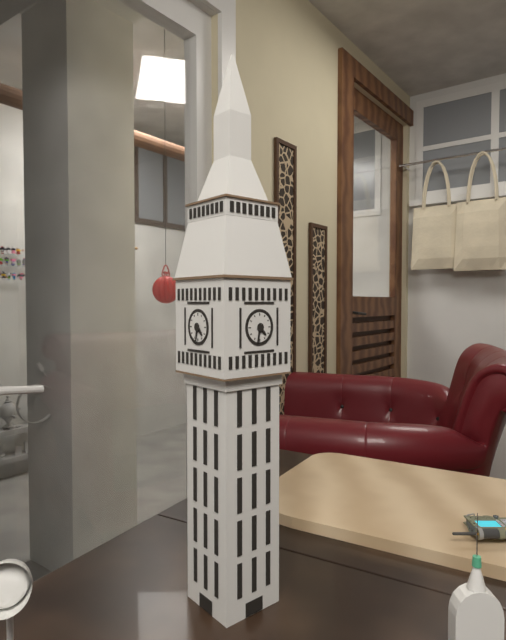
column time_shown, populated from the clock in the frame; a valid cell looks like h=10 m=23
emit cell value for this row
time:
h=4 m=32
